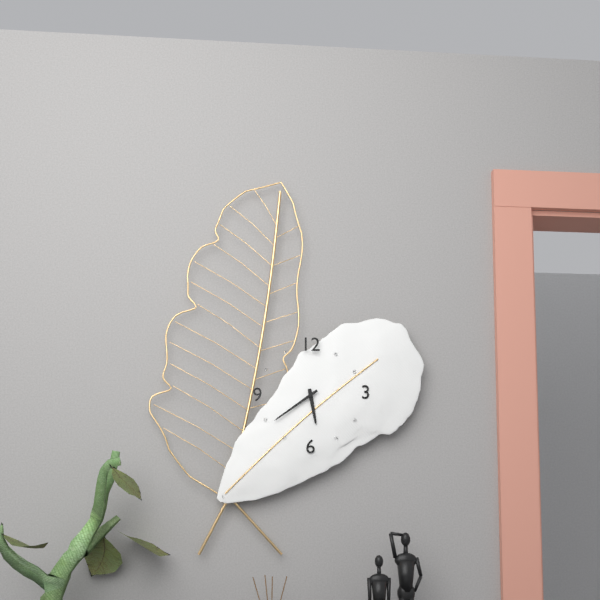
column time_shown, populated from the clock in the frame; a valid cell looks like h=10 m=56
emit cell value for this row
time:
h=5 m=39
